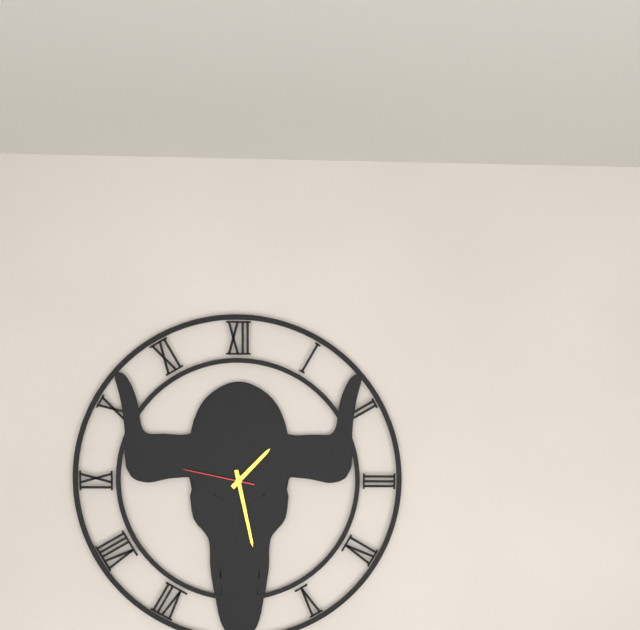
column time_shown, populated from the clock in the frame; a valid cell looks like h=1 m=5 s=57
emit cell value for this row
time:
h=1 m=28 s=47
